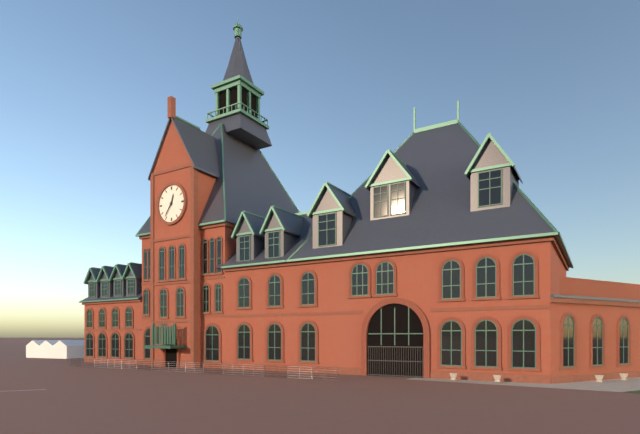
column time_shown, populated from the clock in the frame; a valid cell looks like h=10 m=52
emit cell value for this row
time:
h=12 m=36
